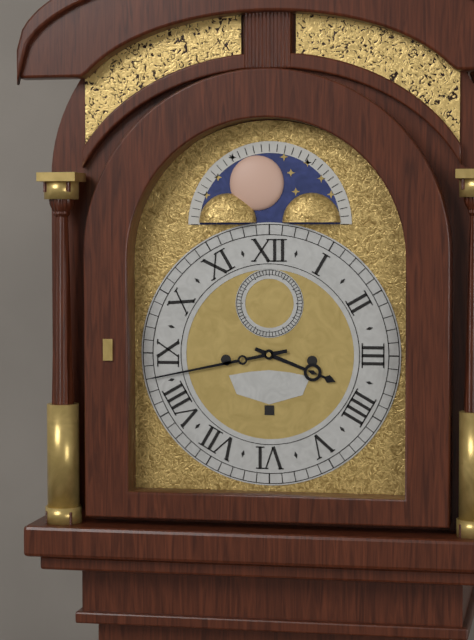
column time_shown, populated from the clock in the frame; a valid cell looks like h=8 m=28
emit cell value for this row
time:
h=3 m=43
